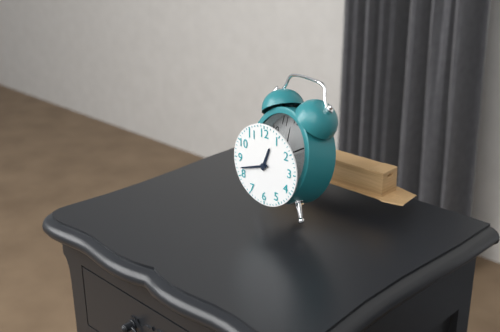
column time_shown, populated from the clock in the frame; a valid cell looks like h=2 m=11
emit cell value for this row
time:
h=12 m=42
